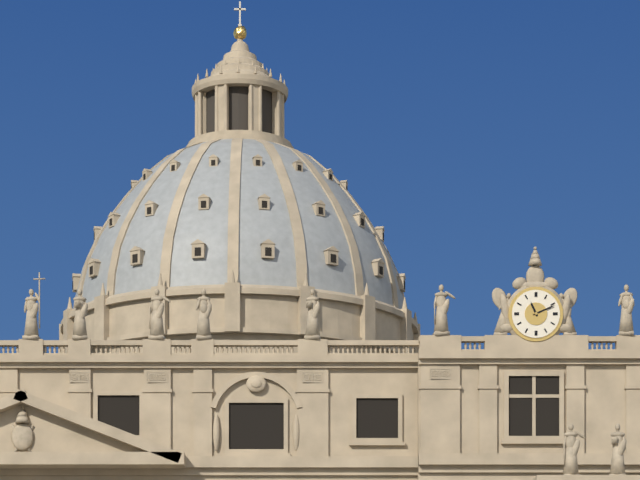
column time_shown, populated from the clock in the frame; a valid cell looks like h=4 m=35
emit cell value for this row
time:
h=11 m=11
